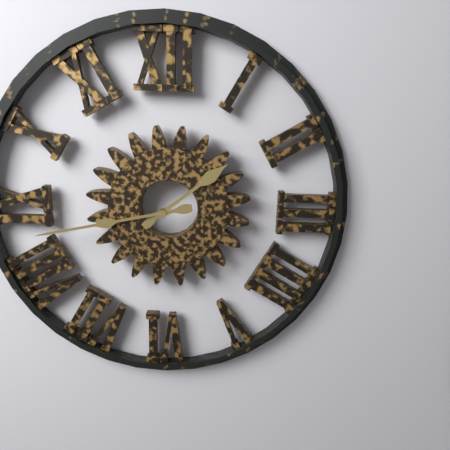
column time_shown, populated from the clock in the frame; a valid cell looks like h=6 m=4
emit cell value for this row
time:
h=1 m=43
